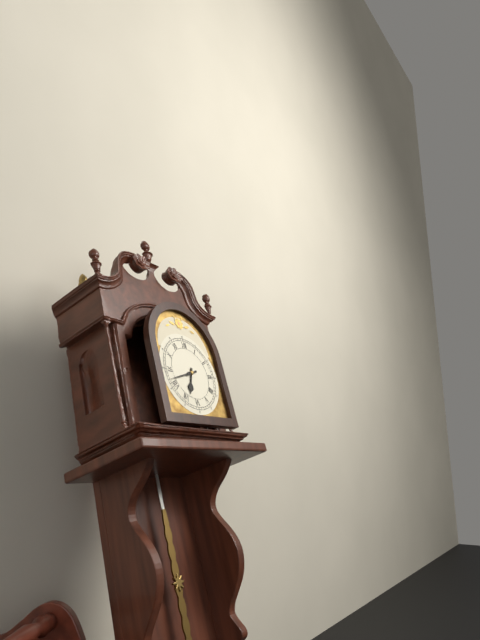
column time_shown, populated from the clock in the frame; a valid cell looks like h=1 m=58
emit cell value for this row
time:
h=6 m=42
